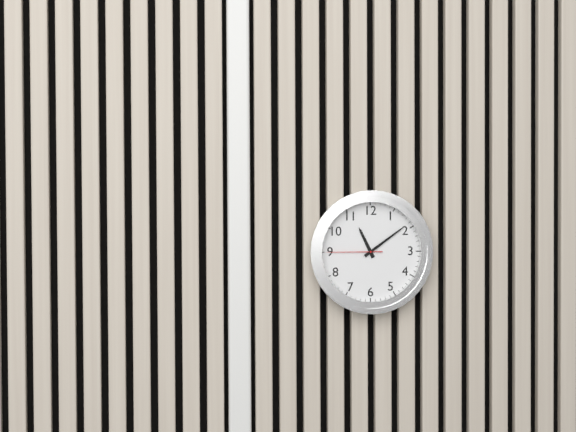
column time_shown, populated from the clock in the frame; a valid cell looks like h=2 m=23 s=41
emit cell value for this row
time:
h=11 m=9 s=45
